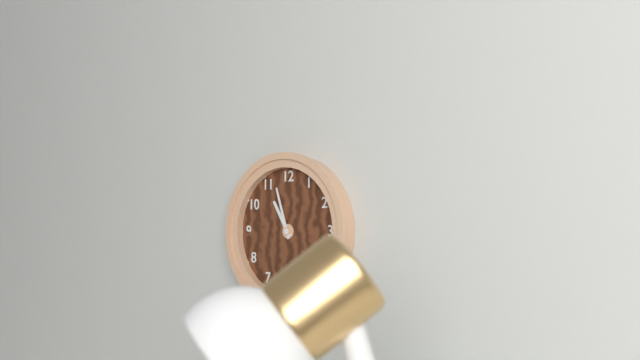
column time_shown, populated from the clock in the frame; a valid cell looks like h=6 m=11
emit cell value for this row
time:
h=10 m=57
